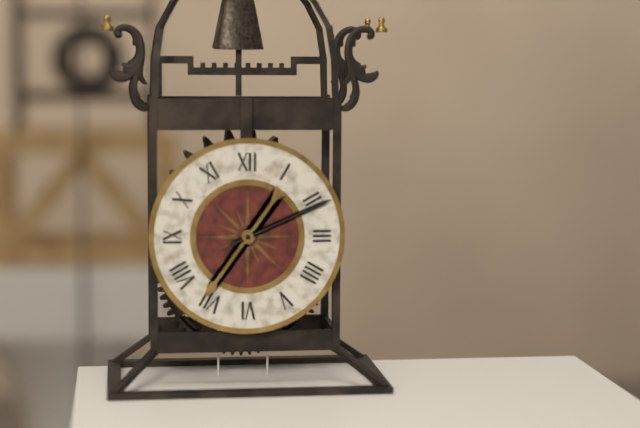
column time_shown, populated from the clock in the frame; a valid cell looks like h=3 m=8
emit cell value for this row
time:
h=7 m=11
